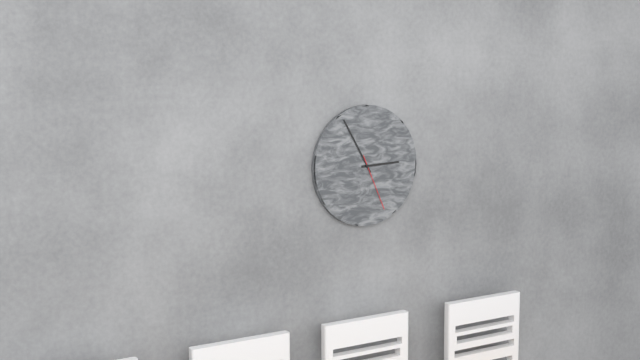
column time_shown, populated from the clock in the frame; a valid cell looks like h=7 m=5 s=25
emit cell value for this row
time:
h=2 m=55 s=26
